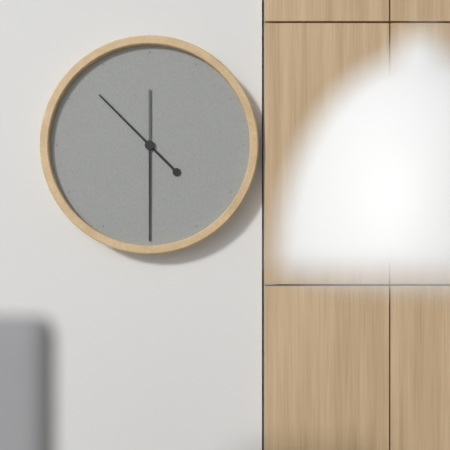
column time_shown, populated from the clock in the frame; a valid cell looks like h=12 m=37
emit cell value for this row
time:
h=10 m=30
